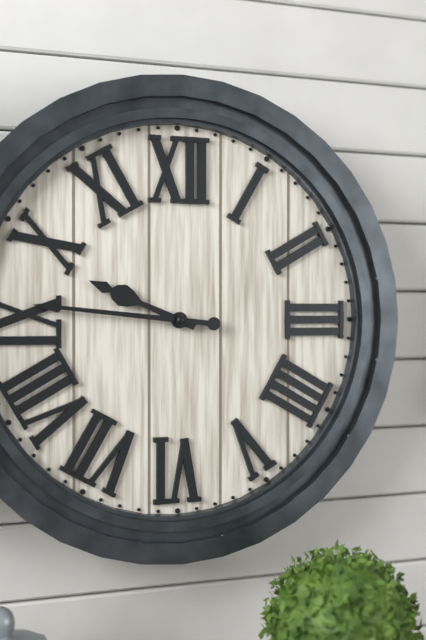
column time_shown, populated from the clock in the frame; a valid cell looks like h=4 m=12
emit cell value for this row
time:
h=9 m=46
